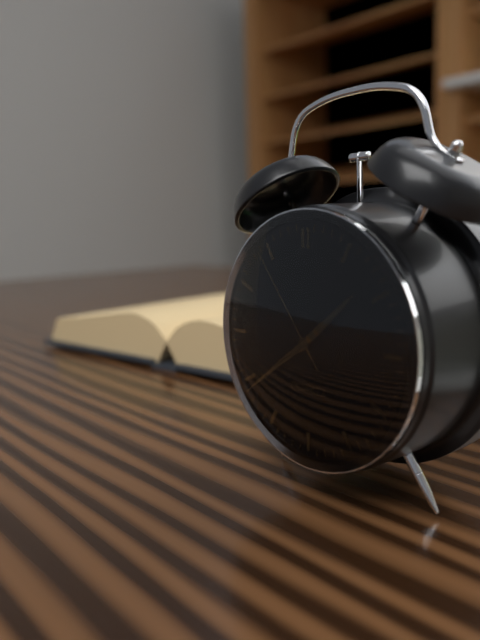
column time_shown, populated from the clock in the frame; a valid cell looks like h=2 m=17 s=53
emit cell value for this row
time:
h=1 m=39 s=54
